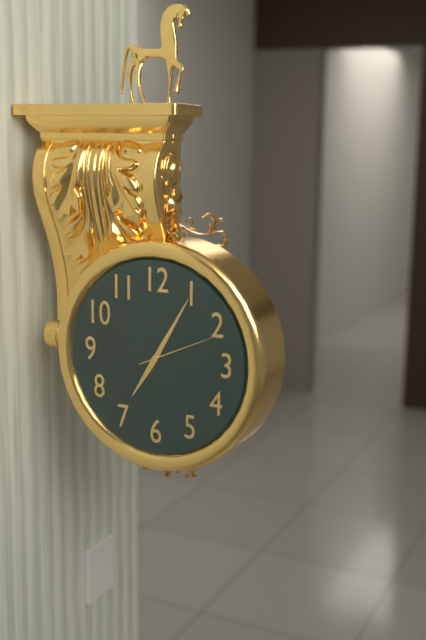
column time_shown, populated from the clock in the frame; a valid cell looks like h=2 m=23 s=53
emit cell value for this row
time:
h=7 m=5 s=11
